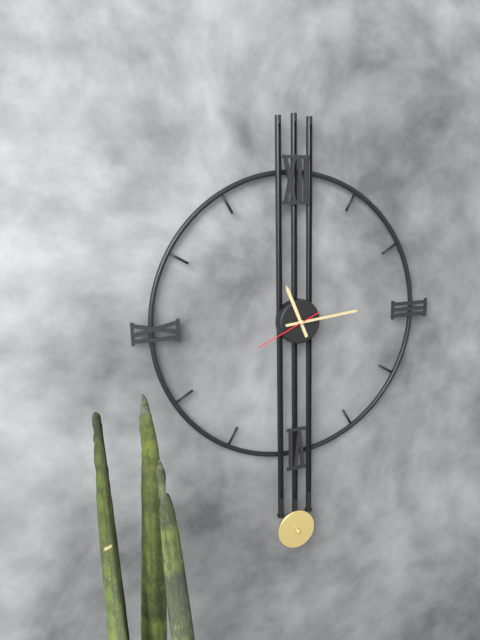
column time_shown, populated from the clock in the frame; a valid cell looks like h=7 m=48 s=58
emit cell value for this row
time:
h=11 m=14 s=41
